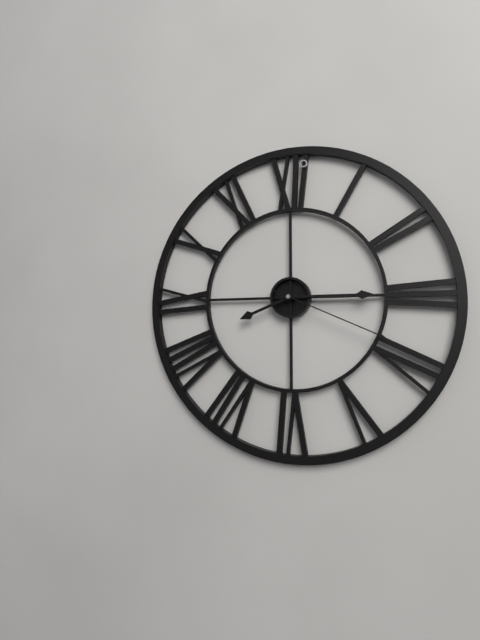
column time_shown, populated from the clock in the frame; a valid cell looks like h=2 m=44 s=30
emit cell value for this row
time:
h=8 m=15 s=19
